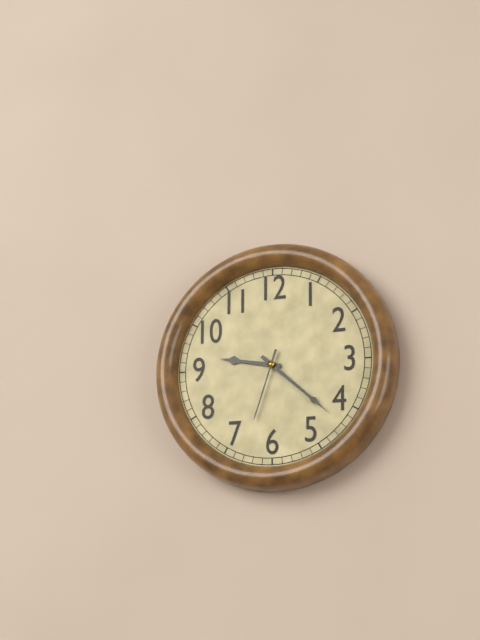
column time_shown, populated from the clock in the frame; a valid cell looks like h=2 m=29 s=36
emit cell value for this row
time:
h=9 m=22 s=33
